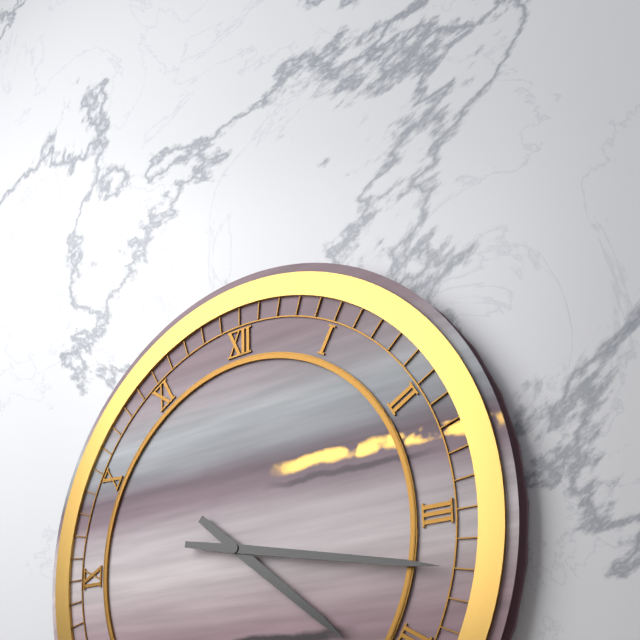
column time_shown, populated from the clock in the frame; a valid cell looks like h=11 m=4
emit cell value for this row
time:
h=4 m=17
